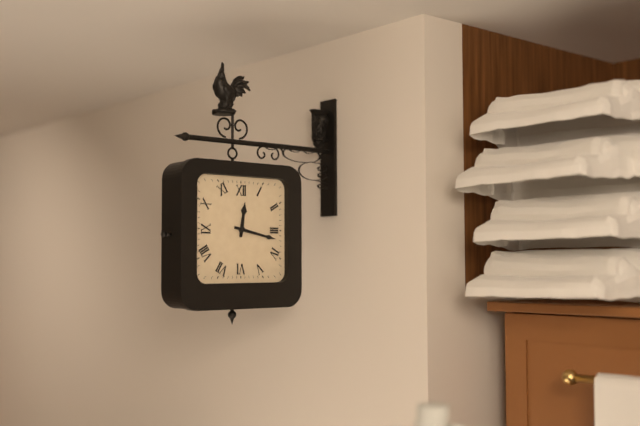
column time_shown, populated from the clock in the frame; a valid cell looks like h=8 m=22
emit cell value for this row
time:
h=12 m=17
